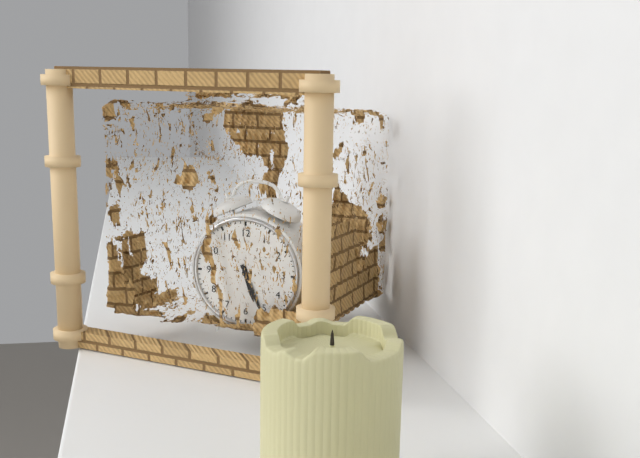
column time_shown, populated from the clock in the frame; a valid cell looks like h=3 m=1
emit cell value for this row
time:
h=5 m=26
